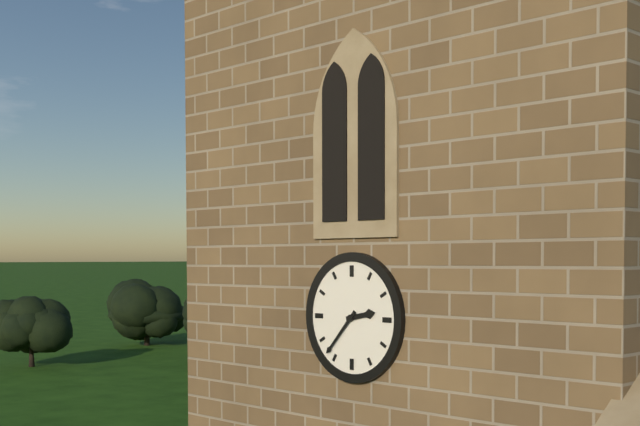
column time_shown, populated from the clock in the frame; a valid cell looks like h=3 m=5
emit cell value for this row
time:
h=2 m=37
